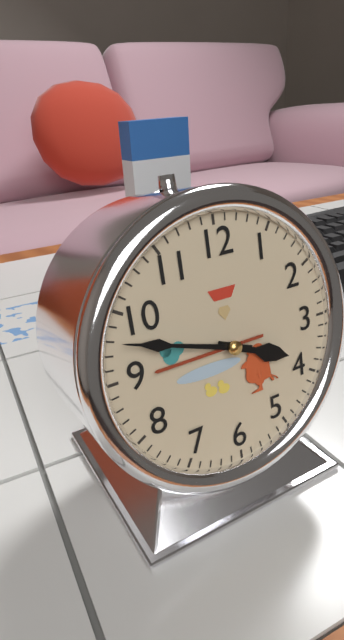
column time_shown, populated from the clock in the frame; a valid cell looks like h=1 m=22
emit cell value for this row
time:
h=3 m=48
